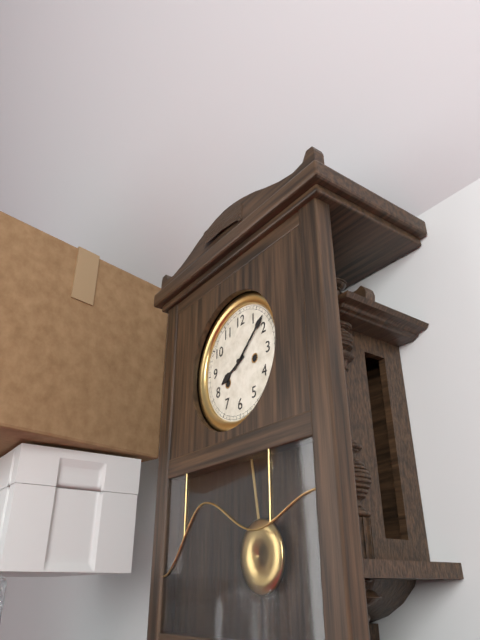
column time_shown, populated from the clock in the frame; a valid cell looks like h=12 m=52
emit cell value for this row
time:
h=8 m=8
